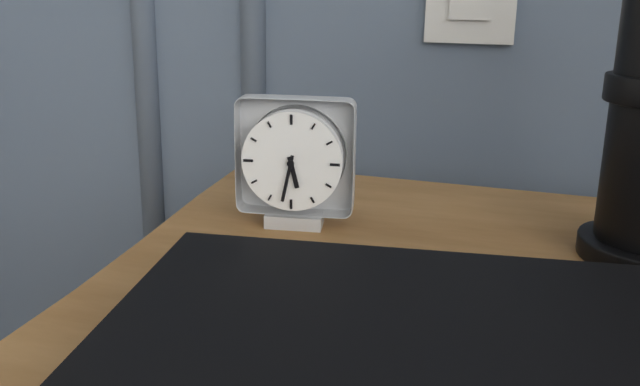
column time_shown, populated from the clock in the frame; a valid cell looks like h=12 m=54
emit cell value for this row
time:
h=5 m=32
